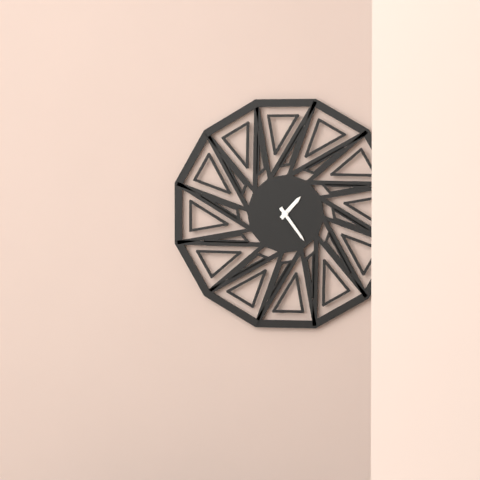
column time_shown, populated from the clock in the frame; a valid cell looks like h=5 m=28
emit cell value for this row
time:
h=1 m=24
